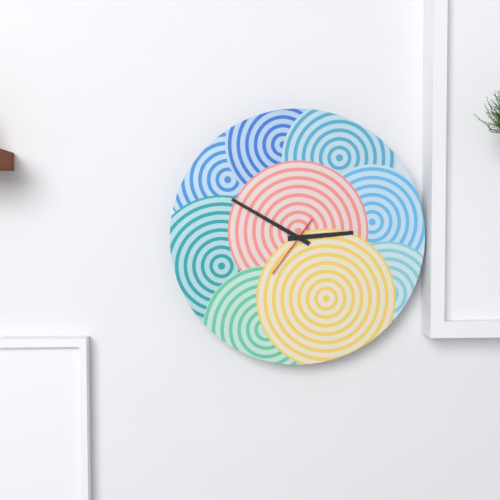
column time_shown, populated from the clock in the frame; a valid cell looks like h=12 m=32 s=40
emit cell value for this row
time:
h=2 m=50 s=36
